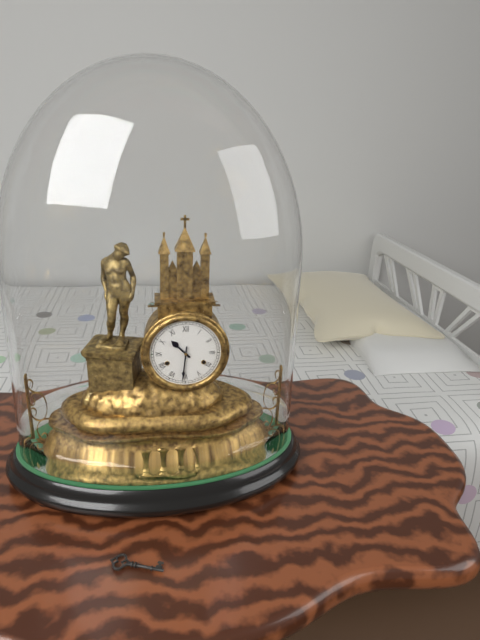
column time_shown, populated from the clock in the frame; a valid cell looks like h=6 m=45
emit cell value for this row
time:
h=10 m=31
